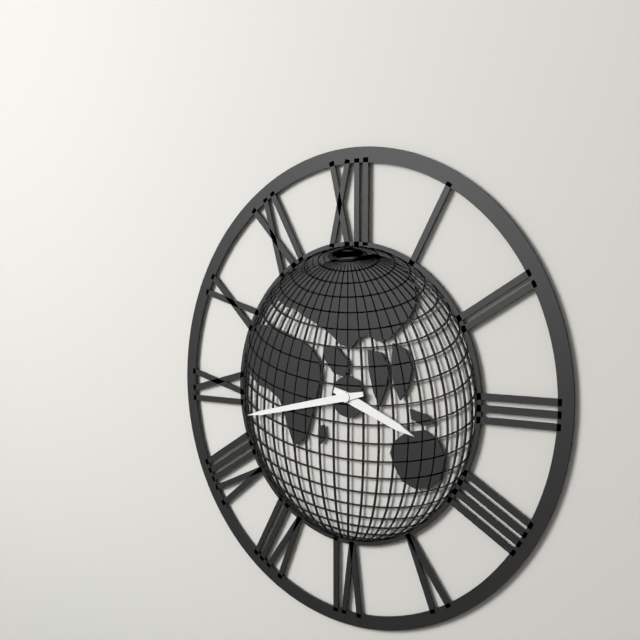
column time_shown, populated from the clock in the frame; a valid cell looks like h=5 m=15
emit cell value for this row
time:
h=3 m=43
